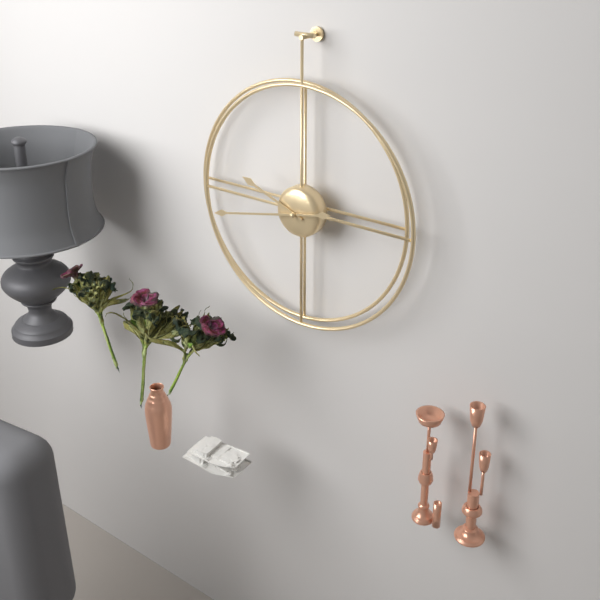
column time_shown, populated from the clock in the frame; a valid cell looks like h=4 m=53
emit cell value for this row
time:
h=9 m=43
